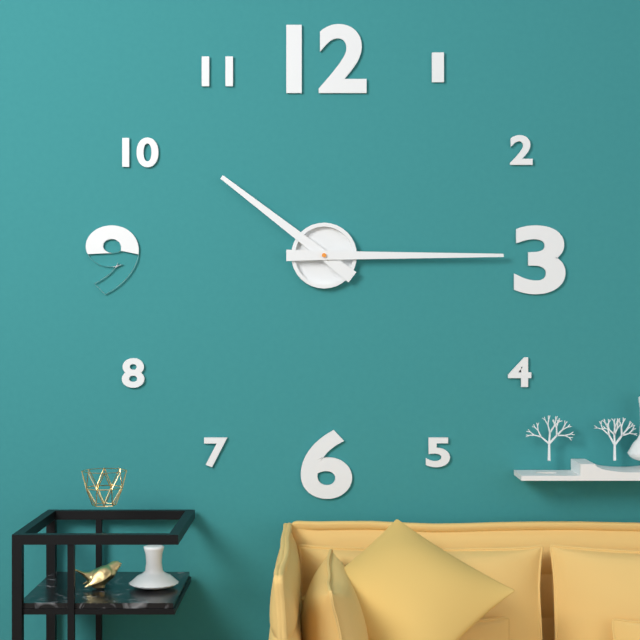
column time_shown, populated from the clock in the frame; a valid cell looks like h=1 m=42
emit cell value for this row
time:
h=10 m=15
